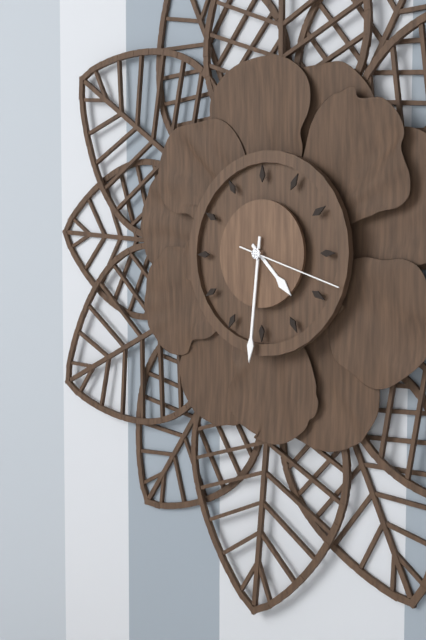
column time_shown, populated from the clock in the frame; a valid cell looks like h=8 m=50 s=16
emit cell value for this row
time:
h=4 m=31 s=18
